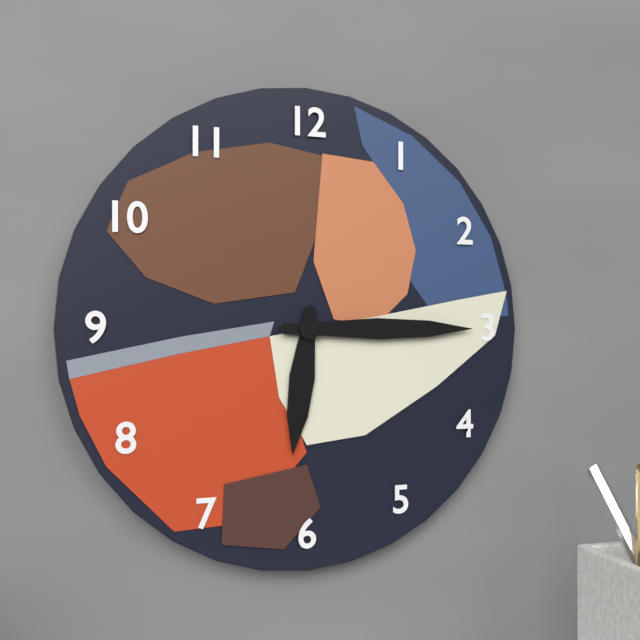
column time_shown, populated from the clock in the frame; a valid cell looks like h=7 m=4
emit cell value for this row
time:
h=6 m=15
